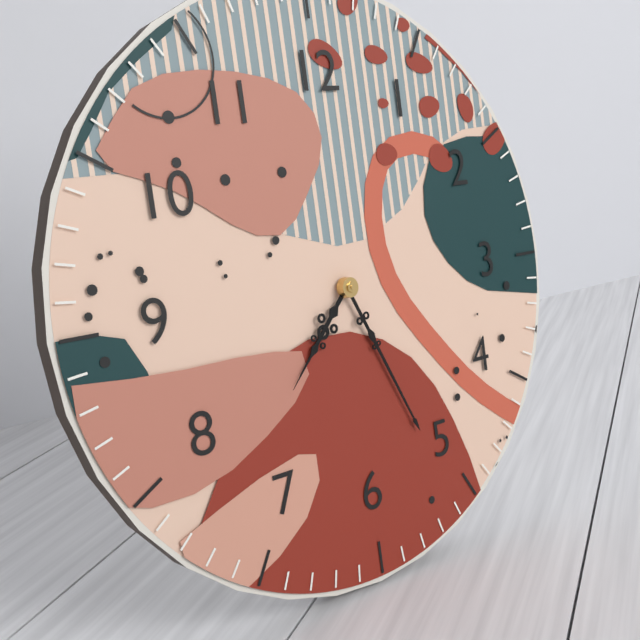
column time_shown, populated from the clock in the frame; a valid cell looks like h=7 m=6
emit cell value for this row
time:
h=7 m=26
